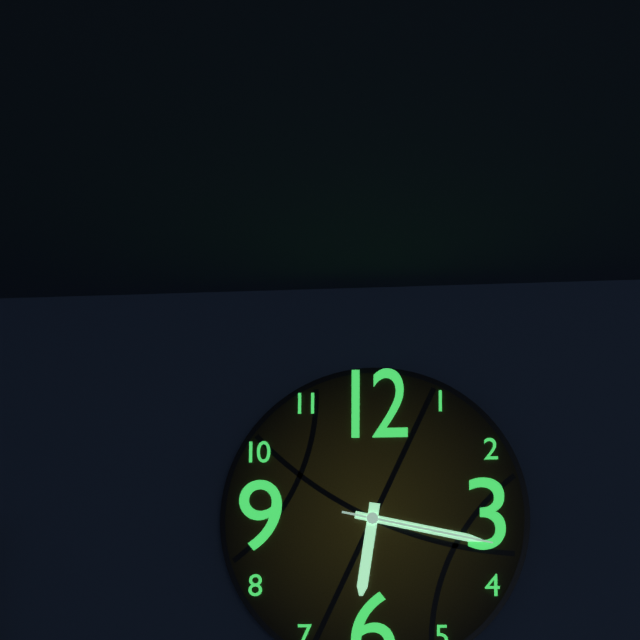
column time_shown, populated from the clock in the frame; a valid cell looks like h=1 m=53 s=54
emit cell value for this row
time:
h=6 m=17 s=17
